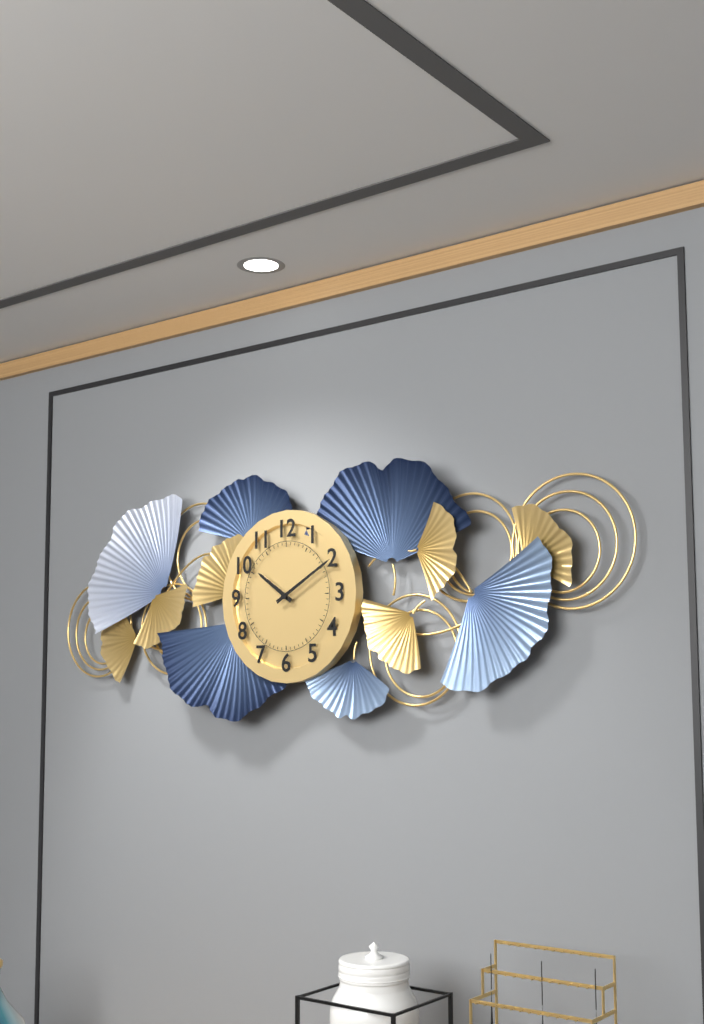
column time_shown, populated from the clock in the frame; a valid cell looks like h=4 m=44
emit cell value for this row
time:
h=10 m=10
